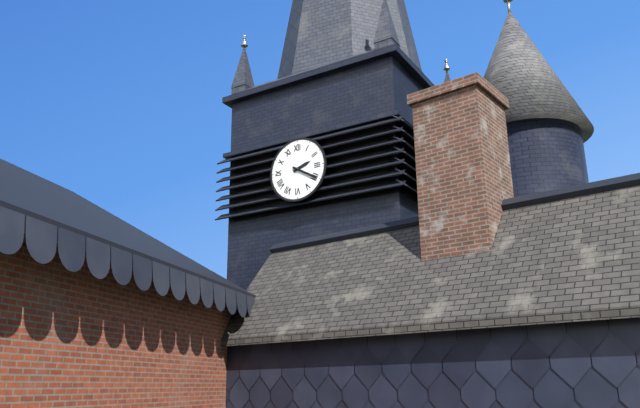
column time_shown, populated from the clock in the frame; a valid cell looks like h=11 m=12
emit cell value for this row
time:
h=2 m=20
